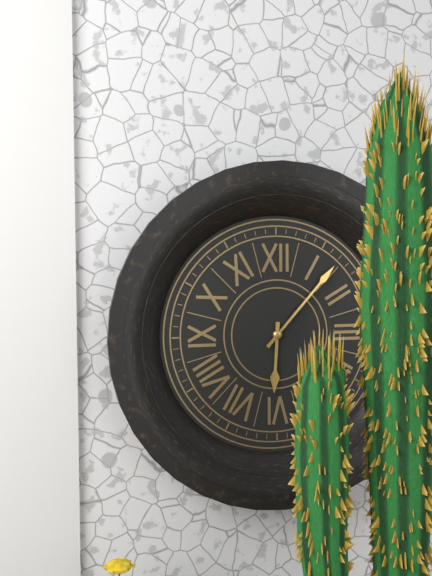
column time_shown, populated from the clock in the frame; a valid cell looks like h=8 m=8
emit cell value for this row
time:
h=6 m=7
